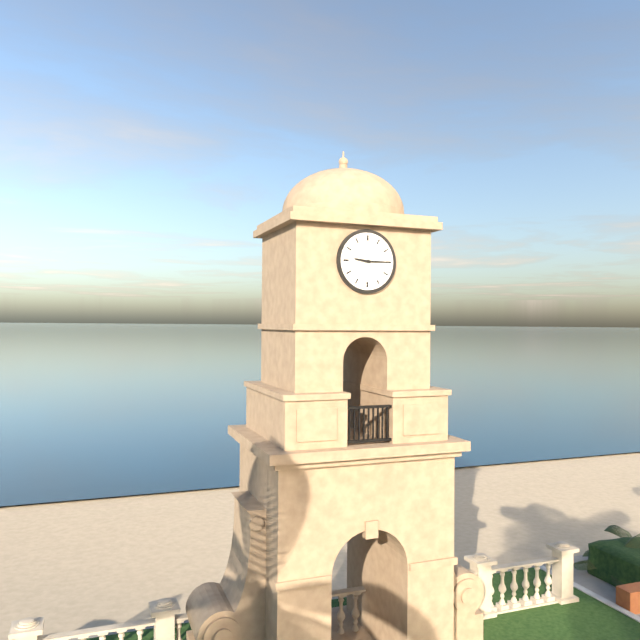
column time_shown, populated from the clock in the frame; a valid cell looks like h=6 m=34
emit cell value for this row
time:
h=9 m=15
